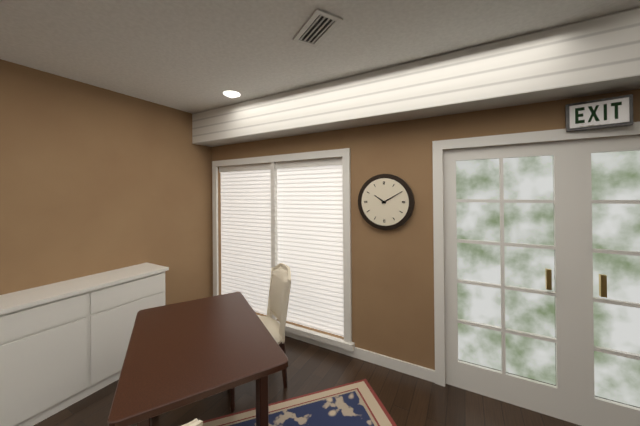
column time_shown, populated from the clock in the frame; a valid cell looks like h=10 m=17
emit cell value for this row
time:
h=10 m=10
